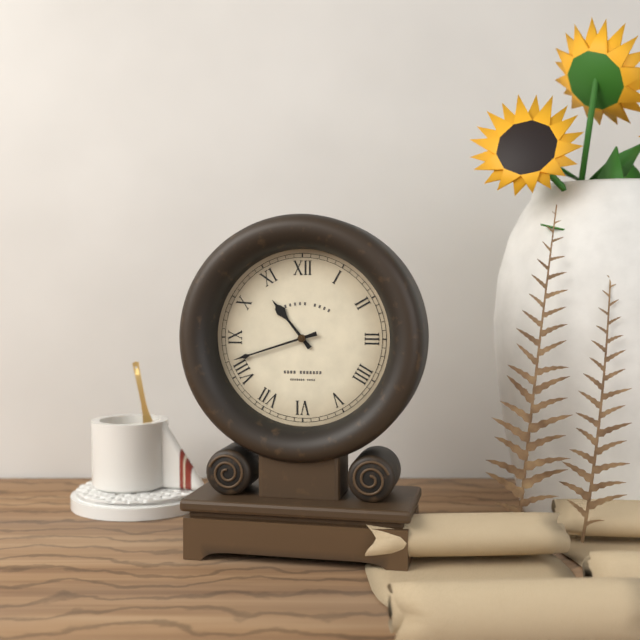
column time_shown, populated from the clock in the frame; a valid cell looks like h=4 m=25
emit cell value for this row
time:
h=10 m=42
